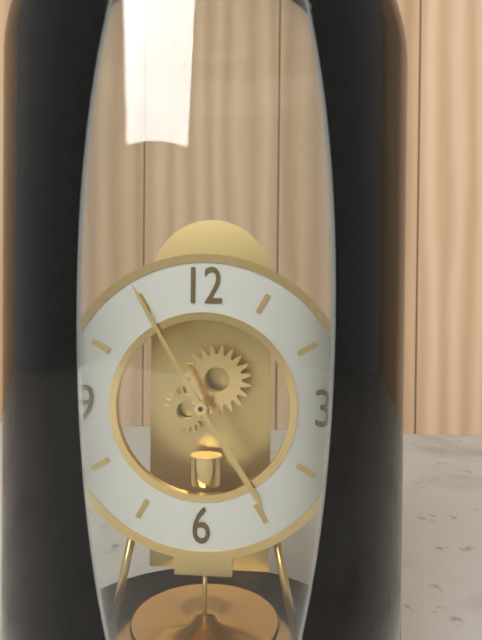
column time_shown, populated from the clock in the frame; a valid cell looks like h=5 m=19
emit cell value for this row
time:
h=4 m=55
